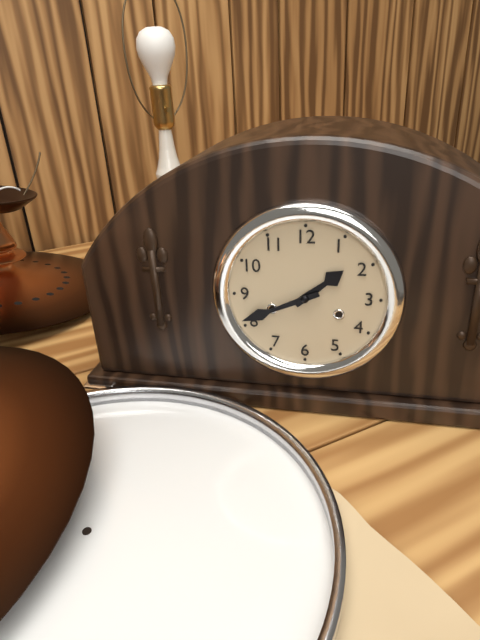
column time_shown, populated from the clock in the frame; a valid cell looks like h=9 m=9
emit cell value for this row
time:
h=1 m=41
